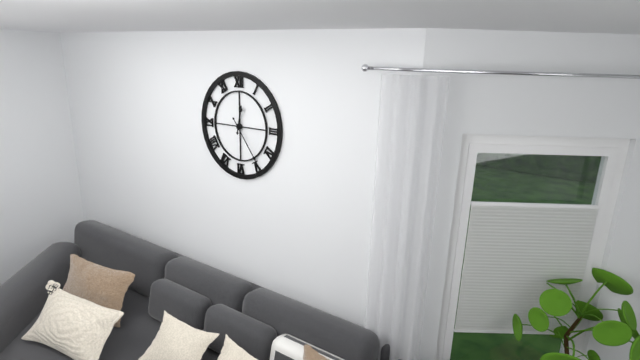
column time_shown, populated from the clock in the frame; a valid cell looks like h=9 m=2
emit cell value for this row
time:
h=12 m=24
